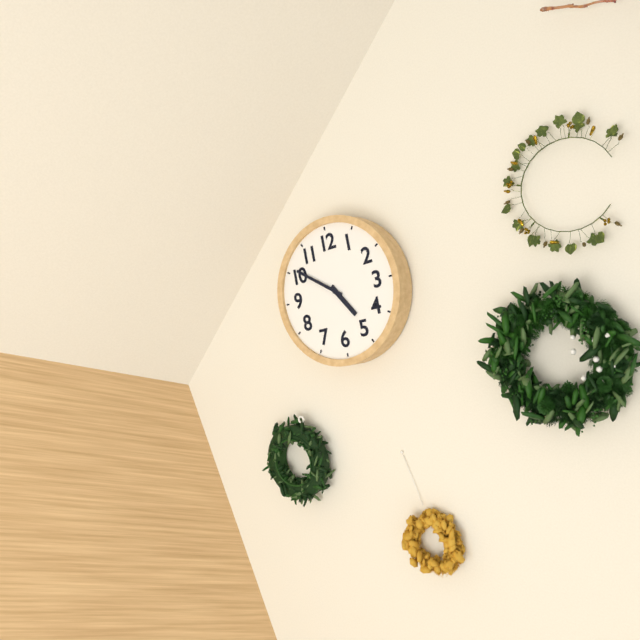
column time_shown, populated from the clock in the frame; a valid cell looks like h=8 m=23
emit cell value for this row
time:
h=4 m=51
